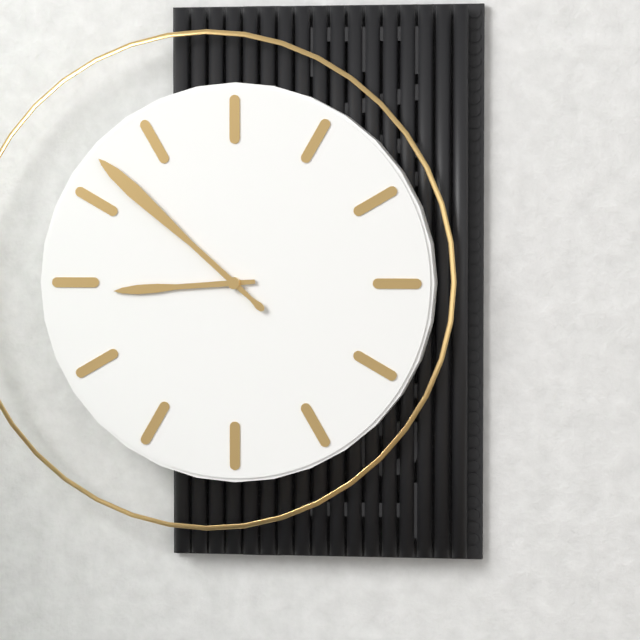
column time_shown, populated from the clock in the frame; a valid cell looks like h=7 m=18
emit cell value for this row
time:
h=8 m=52
